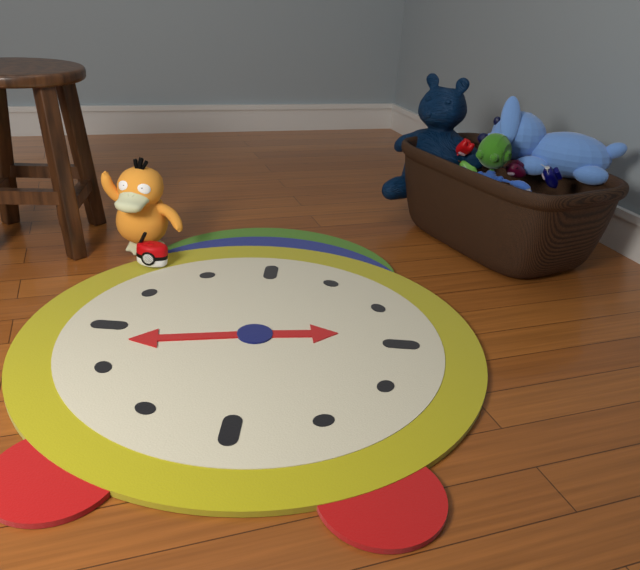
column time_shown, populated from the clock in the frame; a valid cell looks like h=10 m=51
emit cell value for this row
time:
h=2 m=43
